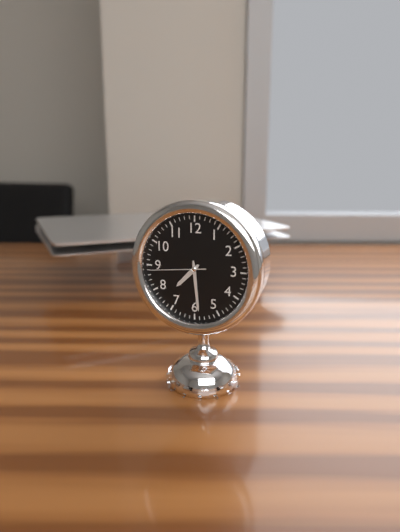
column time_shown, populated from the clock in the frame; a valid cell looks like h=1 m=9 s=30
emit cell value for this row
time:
h=7 m=29 s=44
